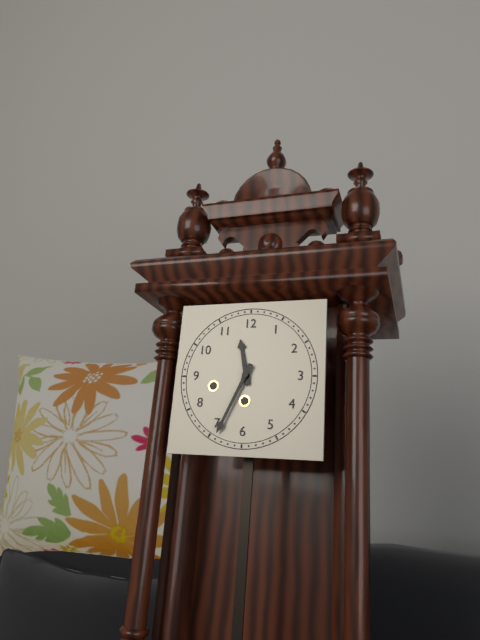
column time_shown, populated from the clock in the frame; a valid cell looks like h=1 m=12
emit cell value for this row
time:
h=11 m=34
